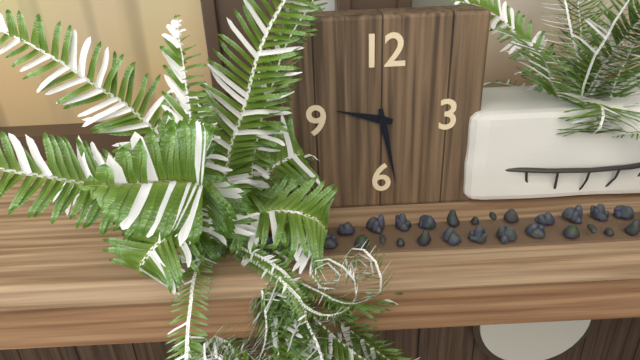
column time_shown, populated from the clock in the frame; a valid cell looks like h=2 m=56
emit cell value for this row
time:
h=9 m=28
